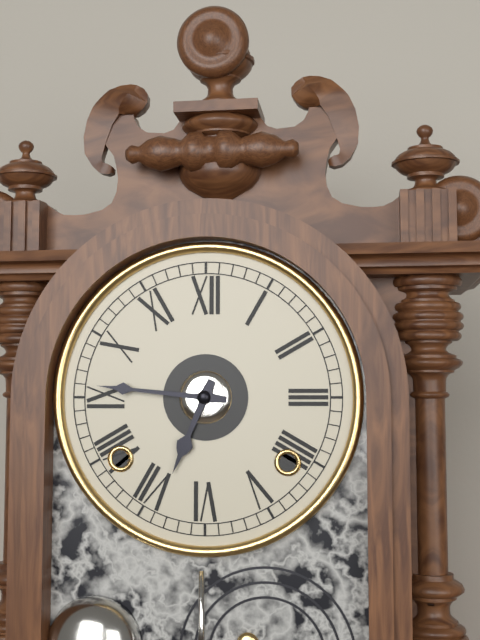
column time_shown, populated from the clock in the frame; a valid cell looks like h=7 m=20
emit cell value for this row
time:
h=6 m=46
